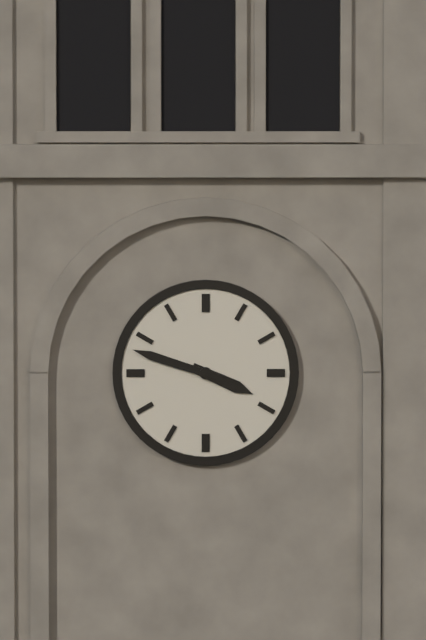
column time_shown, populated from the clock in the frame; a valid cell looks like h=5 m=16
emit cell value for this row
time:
h=3 m=48
